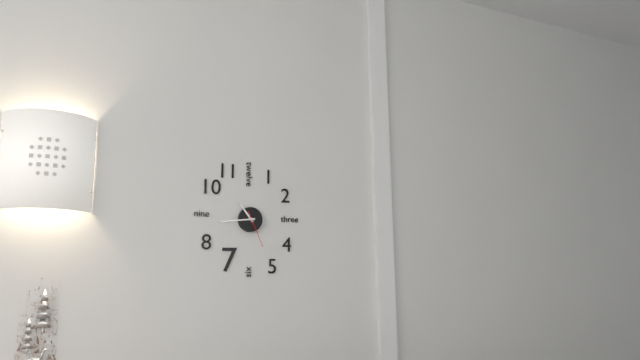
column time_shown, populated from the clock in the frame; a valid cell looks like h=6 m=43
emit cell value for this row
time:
h=10 m=44
